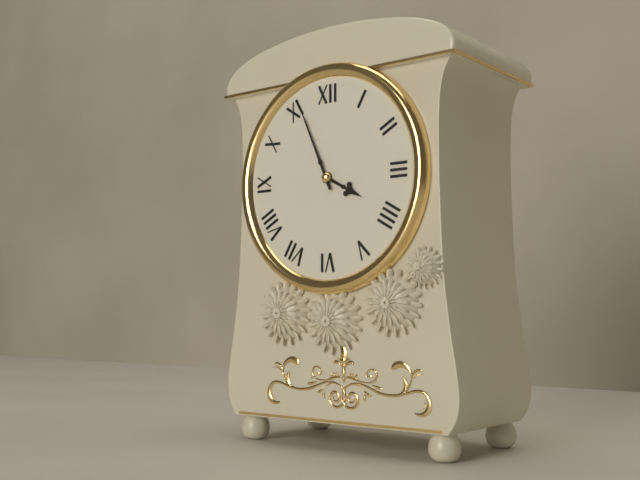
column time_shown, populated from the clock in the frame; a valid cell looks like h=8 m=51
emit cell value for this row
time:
h=3 m=56
